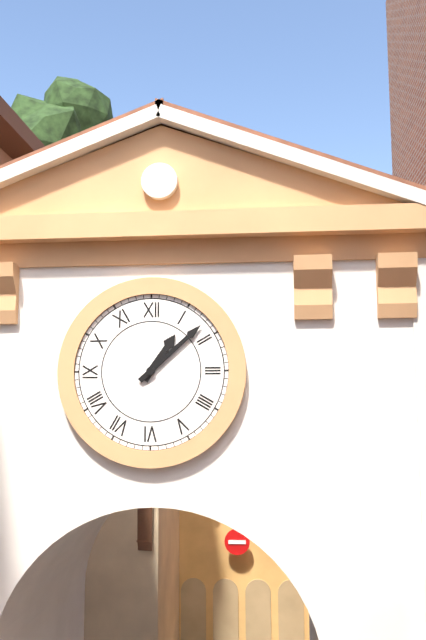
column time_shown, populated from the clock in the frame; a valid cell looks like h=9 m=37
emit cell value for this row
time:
h=1 m=8
